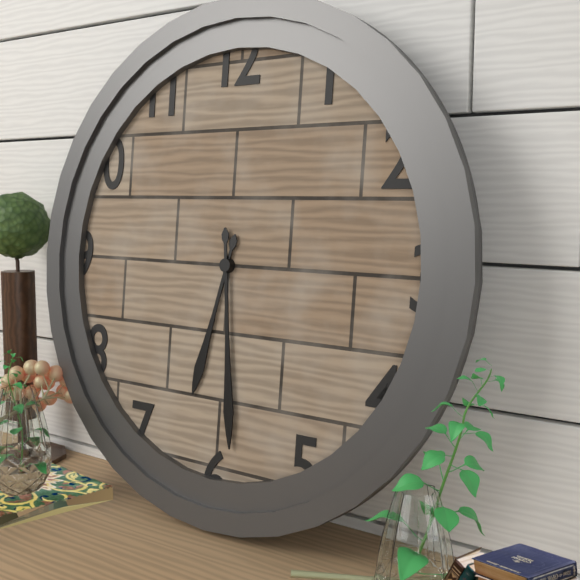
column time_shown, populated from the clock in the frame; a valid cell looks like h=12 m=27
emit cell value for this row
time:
h=6 m=29
